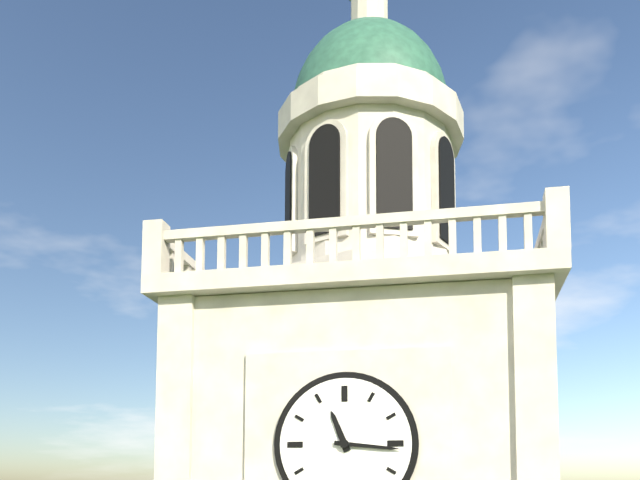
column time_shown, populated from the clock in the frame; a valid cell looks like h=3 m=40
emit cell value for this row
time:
h=11 m=16
